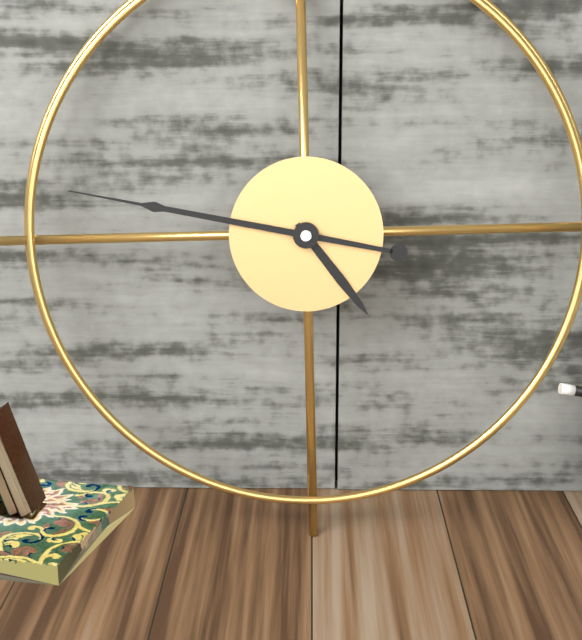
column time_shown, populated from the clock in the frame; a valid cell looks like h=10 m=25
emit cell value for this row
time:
h=4 m=47
